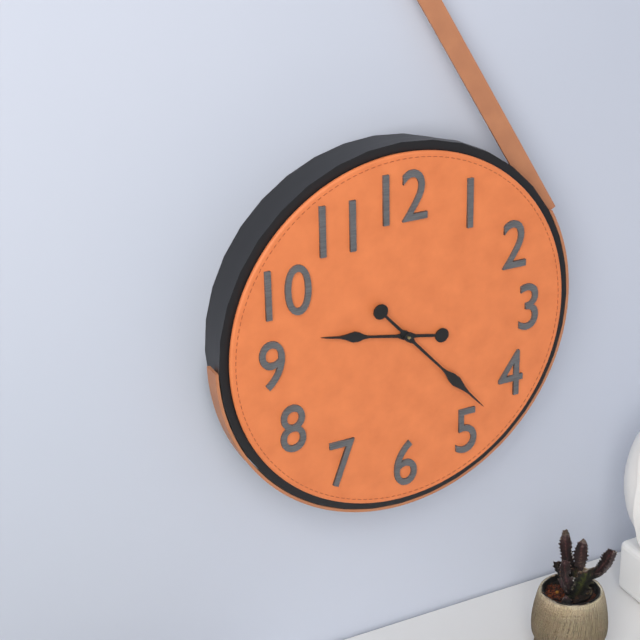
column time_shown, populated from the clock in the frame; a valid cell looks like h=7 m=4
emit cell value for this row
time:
h=9 m=23
